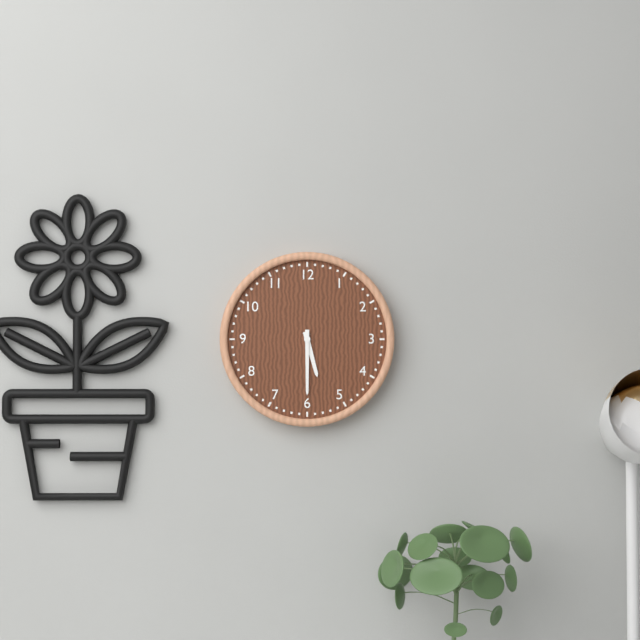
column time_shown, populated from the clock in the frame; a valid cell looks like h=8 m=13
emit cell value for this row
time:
h=5 m=30
